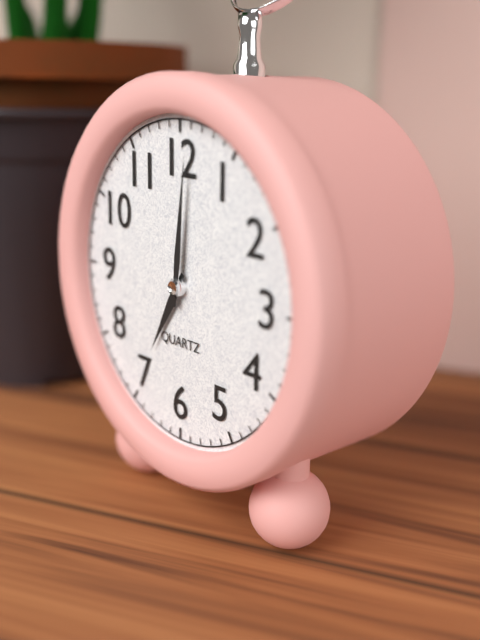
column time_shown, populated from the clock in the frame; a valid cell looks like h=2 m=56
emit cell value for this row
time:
h=7 m=1
